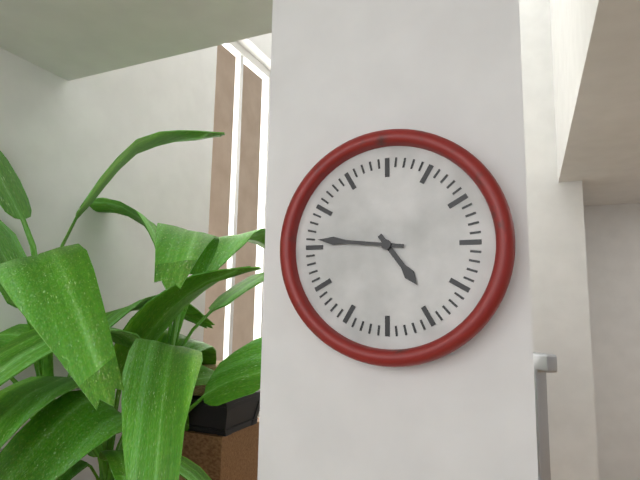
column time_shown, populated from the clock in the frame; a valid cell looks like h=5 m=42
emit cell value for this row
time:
h=4 m=46
